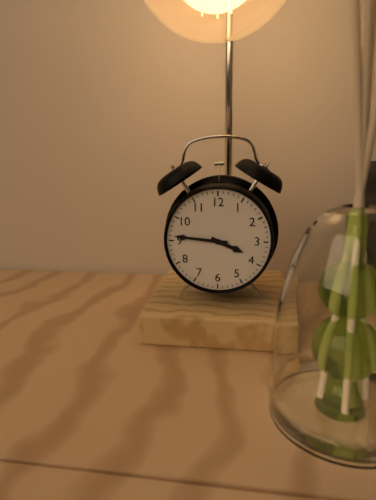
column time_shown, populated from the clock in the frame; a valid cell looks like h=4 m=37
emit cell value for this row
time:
h=3 m=46
